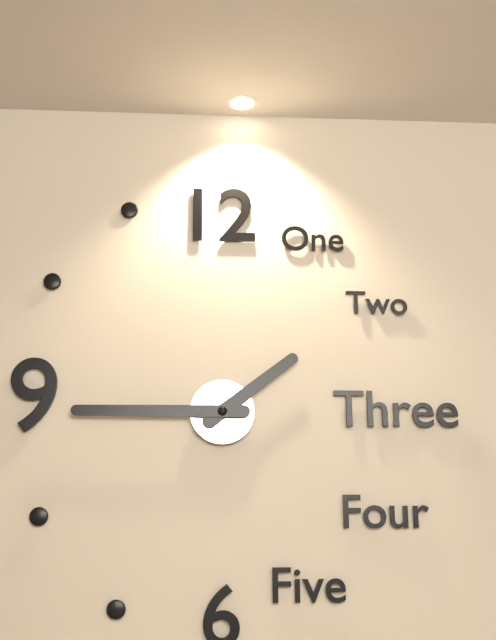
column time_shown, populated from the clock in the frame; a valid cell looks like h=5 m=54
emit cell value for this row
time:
h=1 m=45
